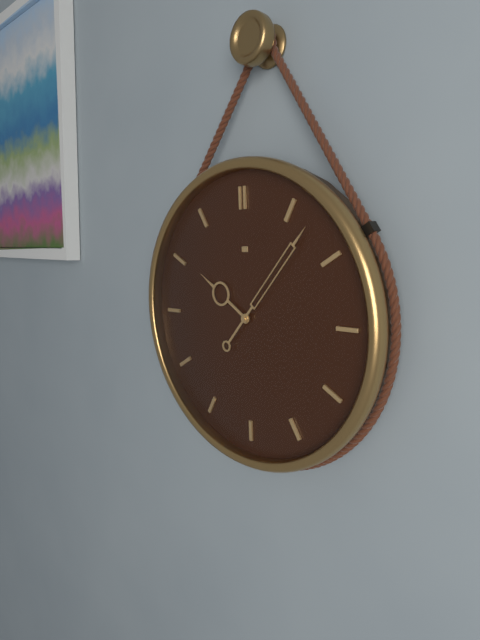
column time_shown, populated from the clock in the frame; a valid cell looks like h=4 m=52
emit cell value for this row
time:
h=10 m=7
